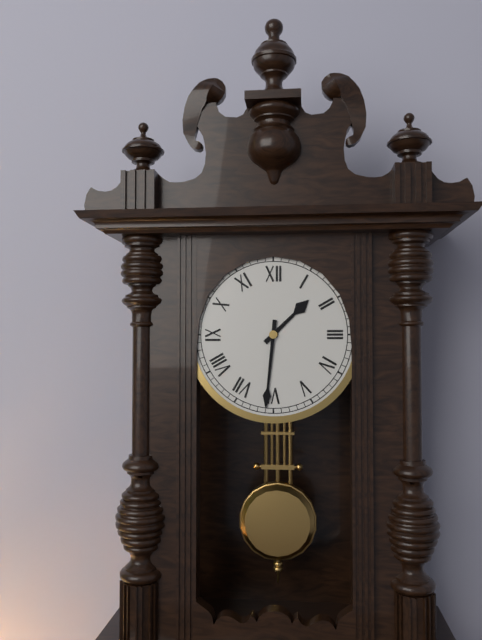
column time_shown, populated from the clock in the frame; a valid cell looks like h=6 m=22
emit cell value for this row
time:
h=1 m=31
